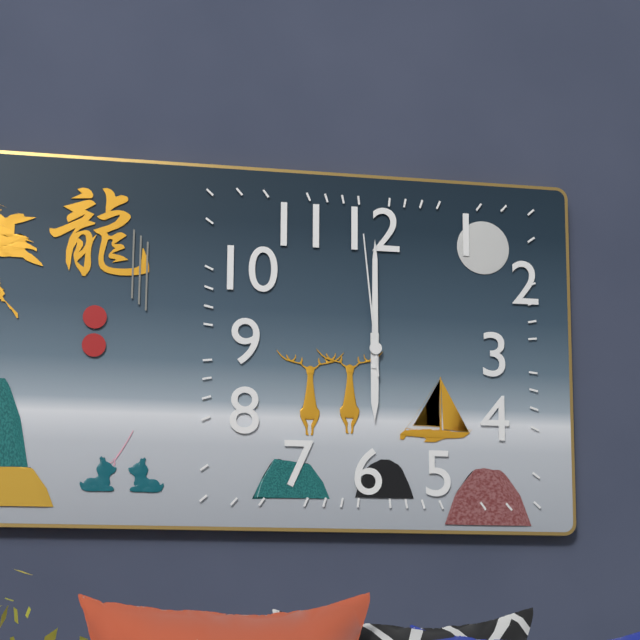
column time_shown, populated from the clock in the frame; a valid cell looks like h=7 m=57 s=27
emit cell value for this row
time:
h=6 m=0 s=59
